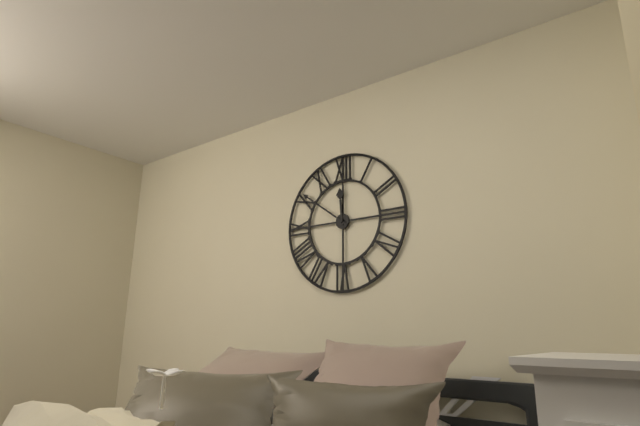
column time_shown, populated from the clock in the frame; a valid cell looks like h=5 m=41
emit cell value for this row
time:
h=11 m=51
